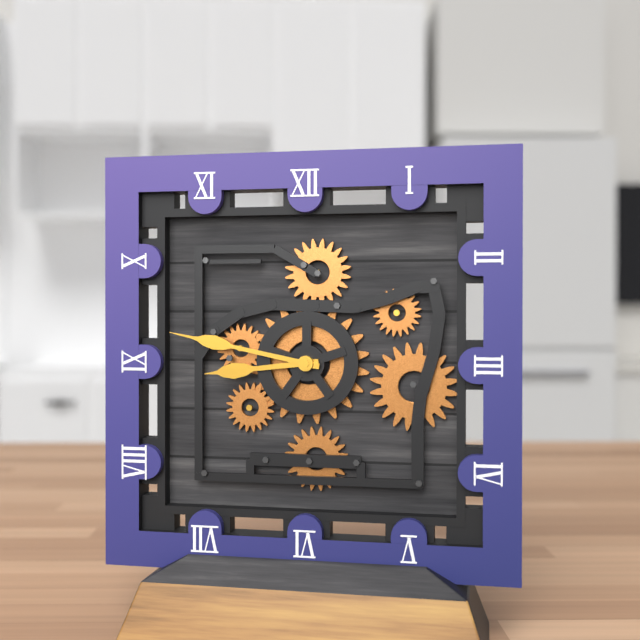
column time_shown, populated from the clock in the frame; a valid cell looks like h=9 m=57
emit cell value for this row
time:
h=8 m=47
